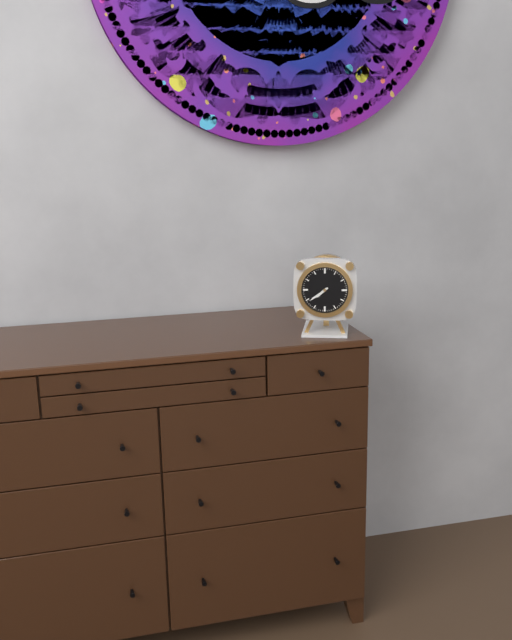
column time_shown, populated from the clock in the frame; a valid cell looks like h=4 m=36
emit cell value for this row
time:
h=7 m=39
